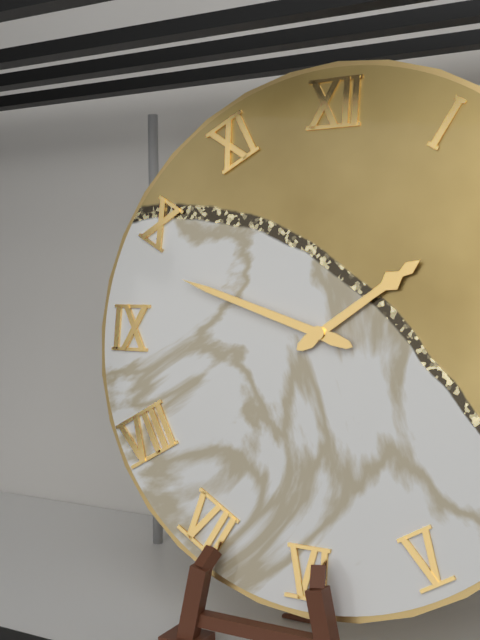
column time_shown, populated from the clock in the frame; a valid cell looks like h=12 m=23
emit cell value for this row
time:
h=1 m=48
